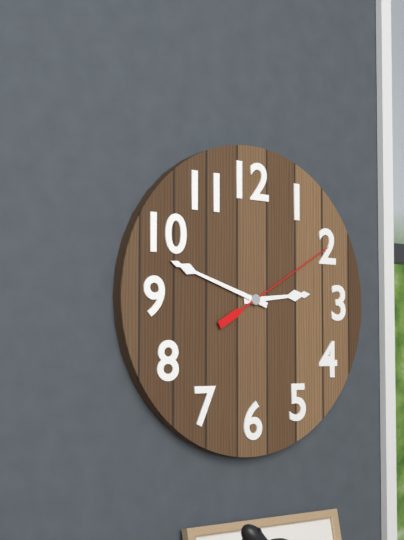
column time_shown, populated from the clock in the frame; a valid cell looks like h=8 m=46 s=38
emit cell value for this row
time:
h=2 m=48 s=10
